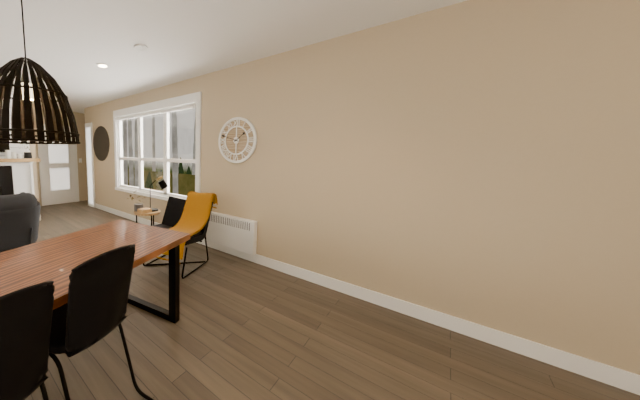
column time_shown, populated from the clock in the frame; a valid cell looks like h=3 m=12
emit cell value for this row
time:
h=1 m=48
